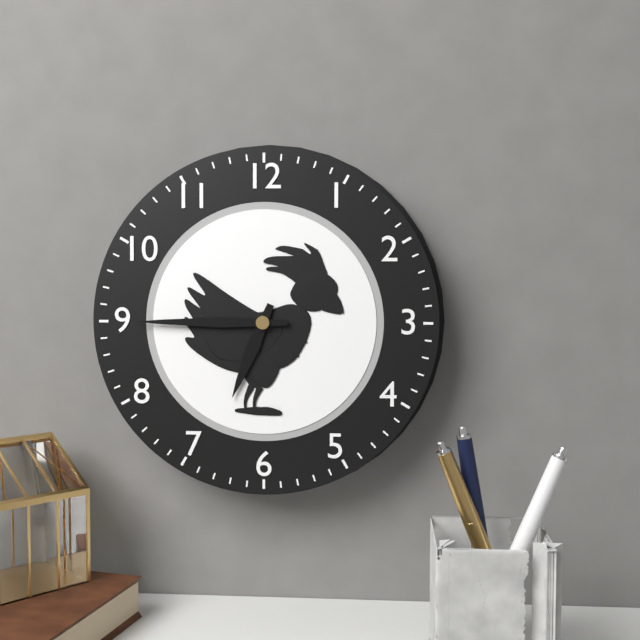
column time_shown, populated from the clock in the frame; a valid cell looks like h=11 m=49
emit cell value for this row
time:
h=6 m=45
